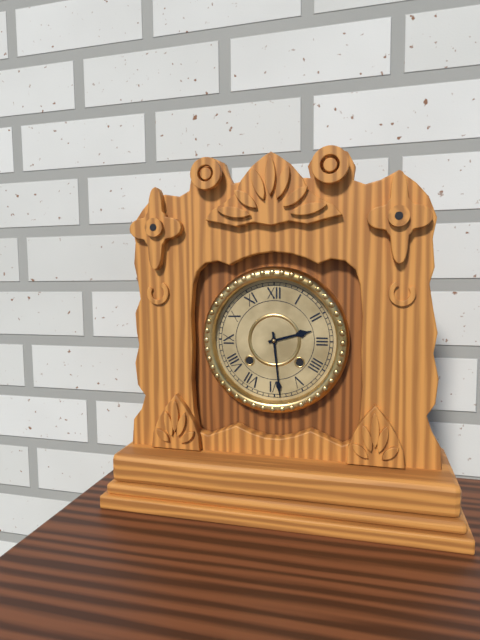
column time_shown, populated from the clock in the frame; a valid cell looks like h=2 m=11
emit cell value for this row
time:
h=2 m=29
